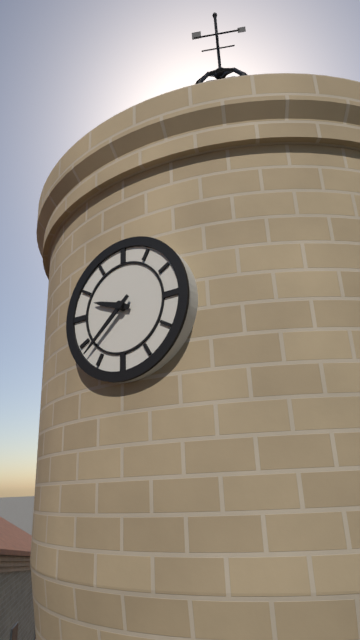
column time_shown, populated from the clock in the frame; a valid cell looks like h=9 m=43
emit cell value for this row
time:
h=9 m=38
